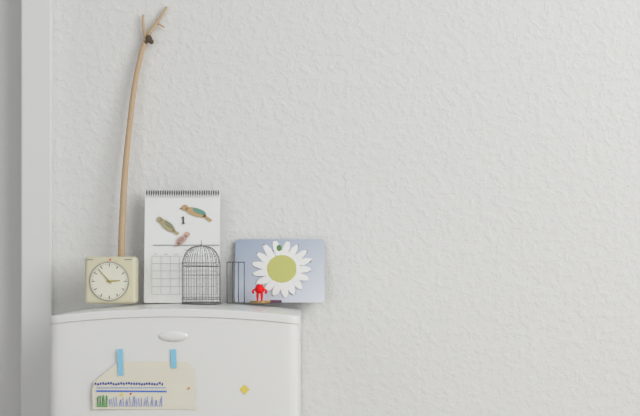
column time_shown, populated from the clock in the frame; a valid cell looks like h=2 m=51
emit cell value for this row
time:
h=2 m=53
